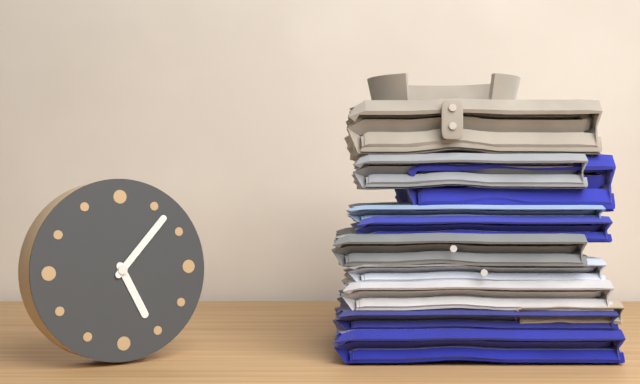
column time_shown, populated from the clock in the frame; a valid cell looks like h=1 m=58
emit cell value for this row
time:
h=5 m=7
